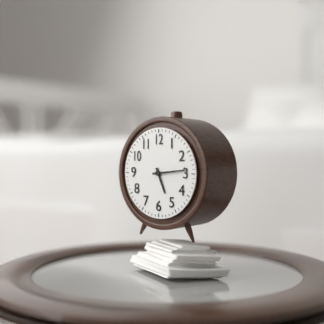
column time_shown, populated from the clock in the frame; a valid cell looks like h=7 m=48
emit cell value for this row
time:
h=5 m=14
